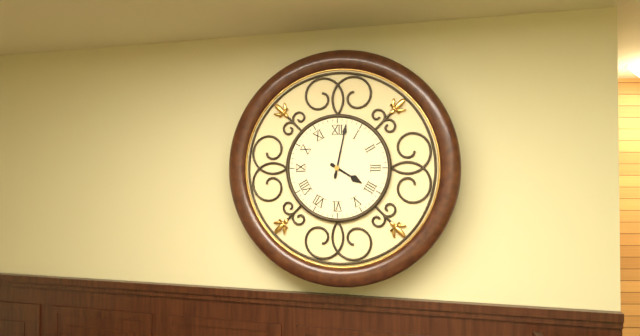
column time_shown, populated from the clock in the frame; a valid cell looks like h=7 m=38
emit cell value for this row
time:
h=4 m=2
